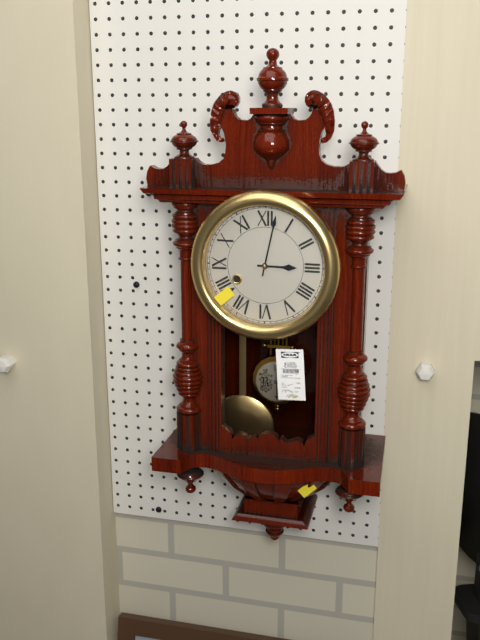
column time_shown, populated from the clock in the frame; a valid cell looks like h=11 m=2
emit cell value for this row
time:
h=3 m=2
